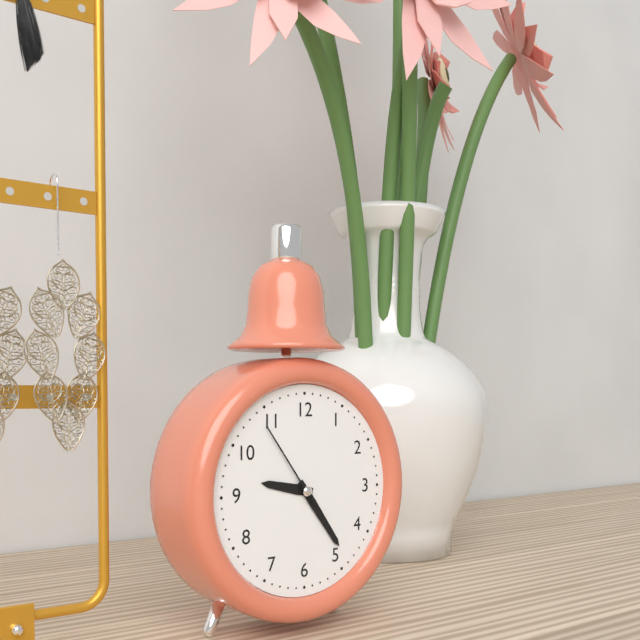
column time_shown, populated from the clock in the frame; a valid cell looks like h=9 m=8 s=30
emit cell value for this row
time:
h=9 m=24 s=54
